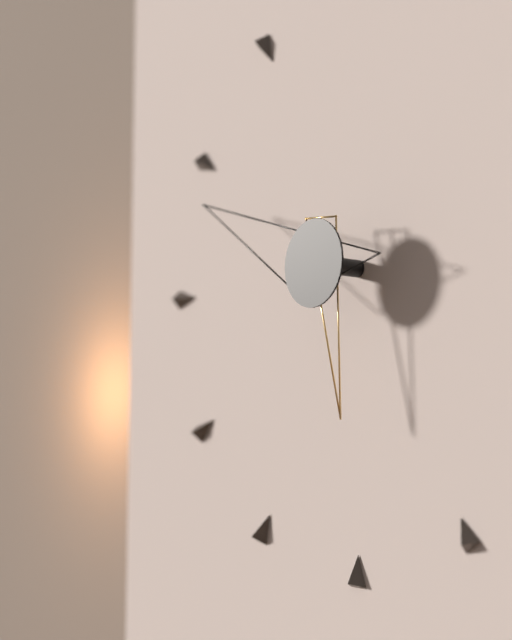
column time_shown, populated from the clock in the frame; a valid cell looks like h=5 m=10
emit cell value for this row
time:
h=5 m=49
